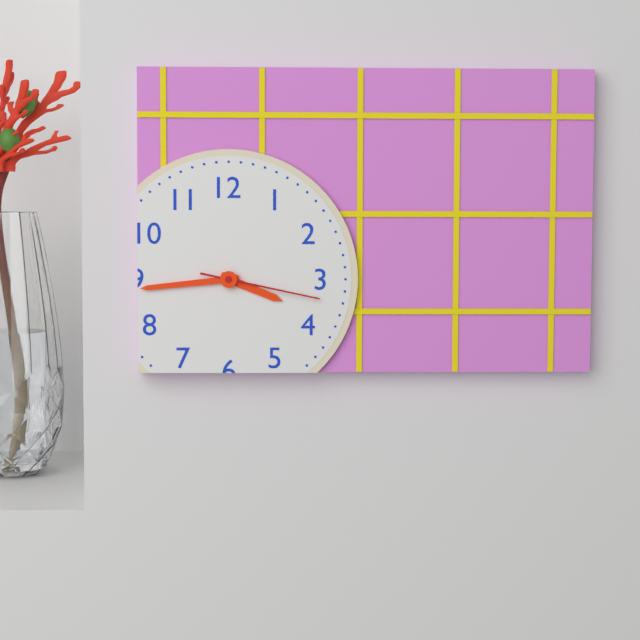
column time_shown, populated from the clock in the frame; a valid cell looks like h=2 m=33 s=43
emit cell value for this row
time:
h=3 m=44 s=17
